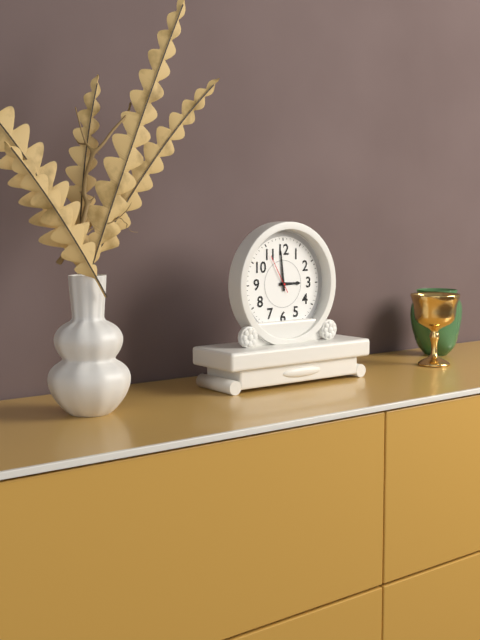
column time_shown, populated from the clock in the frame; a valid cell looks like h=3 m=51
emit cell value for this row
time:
h=2 m=59
